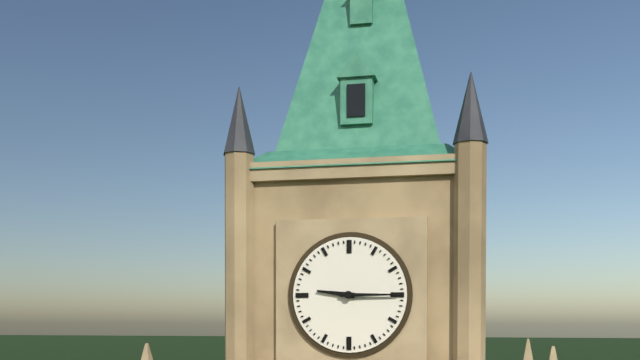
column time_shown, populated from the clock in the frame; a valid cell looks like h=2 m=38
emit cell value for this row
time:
h=9 m=15
